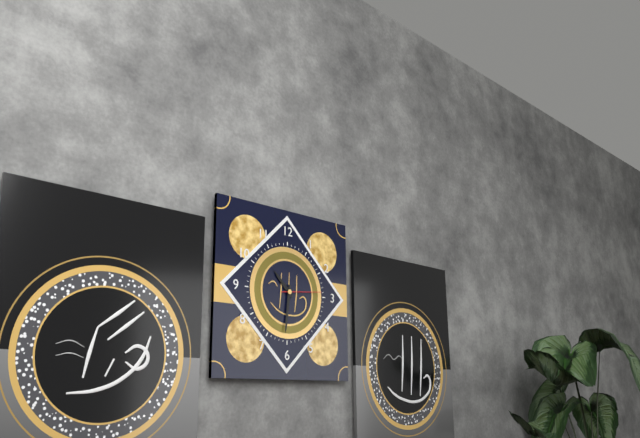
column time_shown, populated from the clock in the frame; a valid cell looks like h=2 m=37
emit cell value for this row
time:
h=10 m=31
